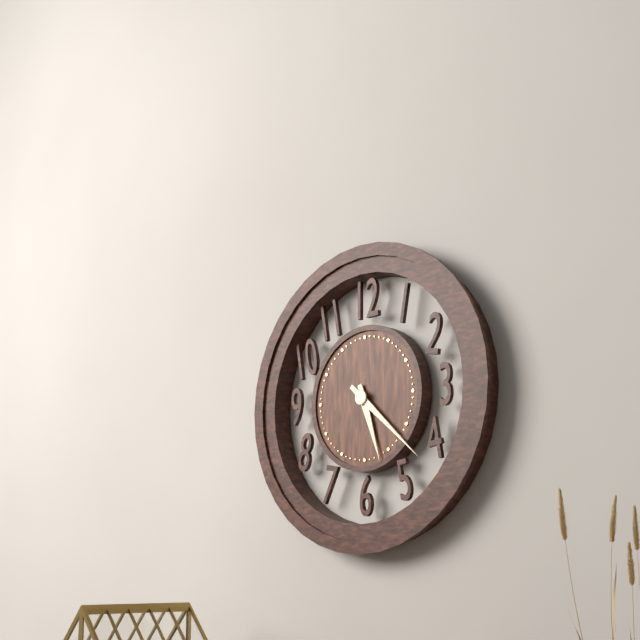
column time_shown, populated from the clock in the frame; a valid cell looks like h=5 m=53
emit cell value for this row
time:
h=5 m=22
